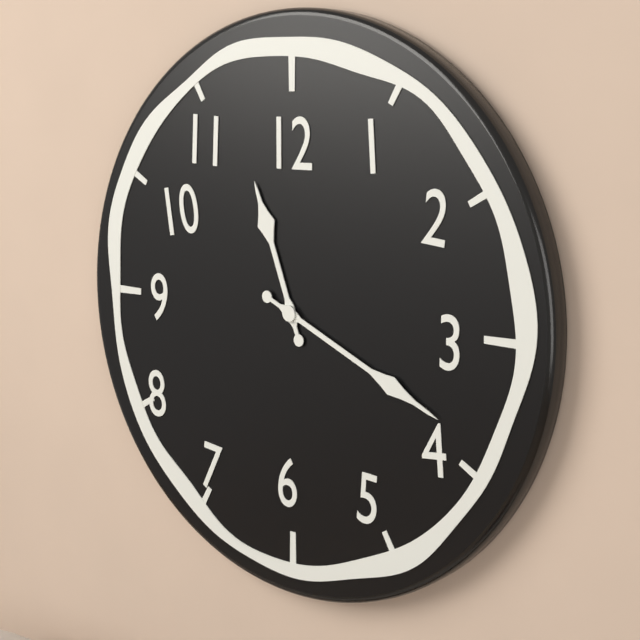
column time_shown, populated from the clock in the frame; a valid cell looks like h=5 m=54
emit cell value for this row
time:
h=11 m=19
